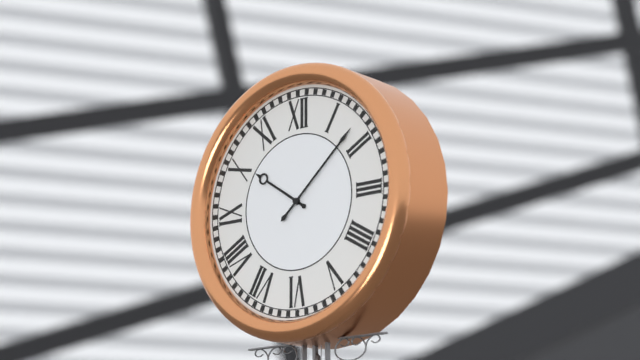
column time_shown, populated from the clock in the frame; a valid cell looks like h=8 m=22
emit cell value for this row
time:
h=10 m=8
